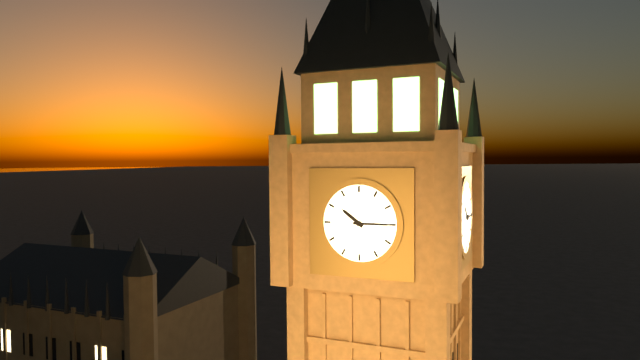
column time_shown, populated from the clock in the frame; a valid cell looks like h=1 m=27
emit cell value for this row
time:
h=10 m=15
